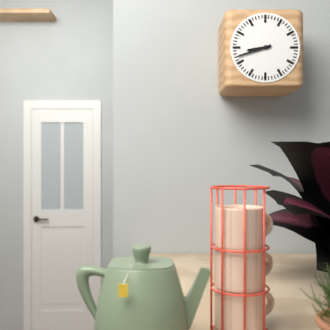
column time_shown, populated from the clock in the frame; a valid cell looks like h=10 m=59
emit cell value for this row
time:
h=8 m=42
